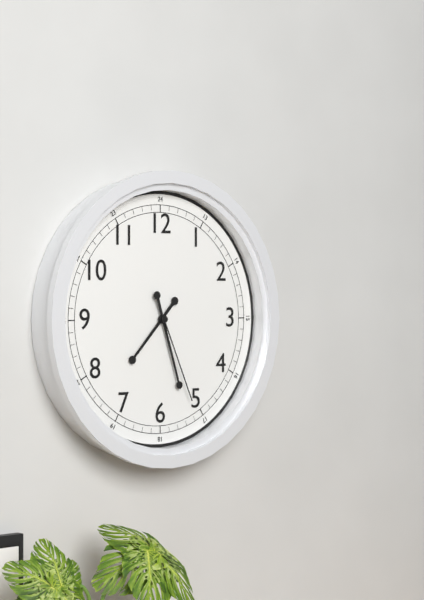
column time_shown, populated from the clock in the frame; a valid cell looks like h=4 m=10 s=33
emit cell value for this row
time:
h=7 m=27 s=26
